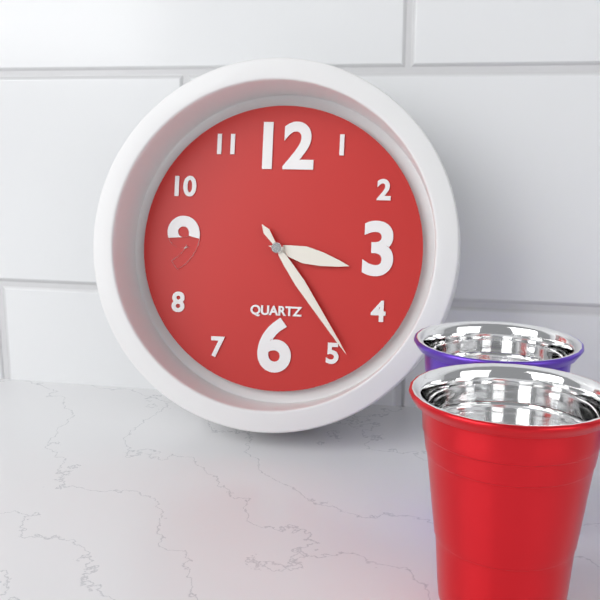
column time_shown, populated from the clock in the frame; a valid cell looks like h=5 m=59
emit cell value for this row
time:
h=3 m=24
